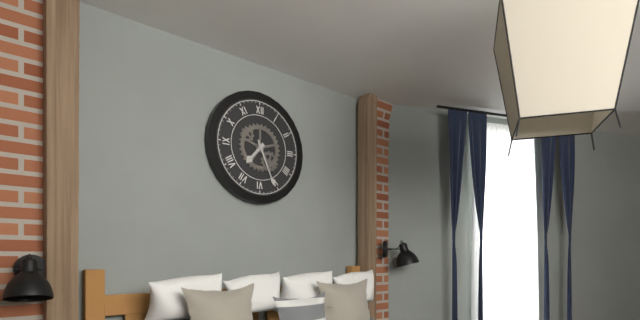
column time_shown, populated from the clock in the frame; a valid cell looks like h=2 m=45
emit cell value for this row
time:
h=7 m=26
